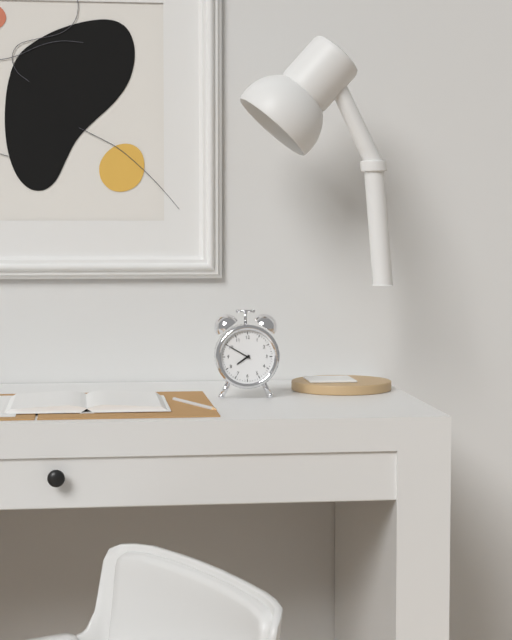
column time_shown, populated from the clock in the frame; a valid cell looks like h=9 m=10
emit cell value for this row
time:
h=7 m=50
